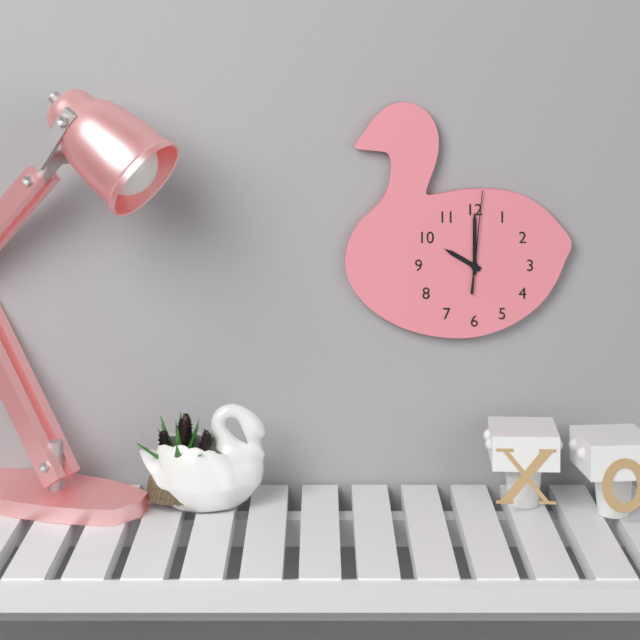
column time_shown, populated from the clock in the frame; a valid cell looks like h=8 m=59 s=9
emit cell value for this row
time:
h=10 m=0 s=1
